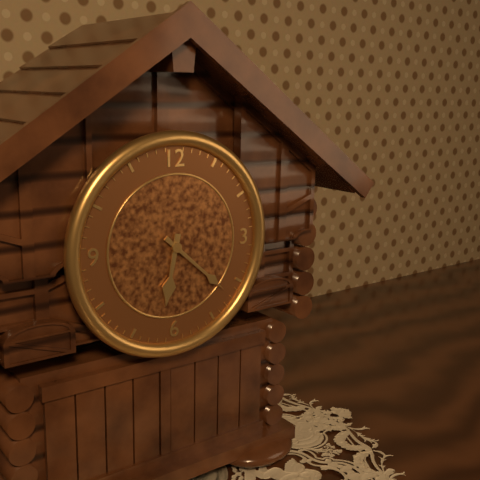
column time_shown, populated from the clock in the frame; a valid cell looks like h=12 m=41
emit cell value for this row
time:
h=6 m=22
